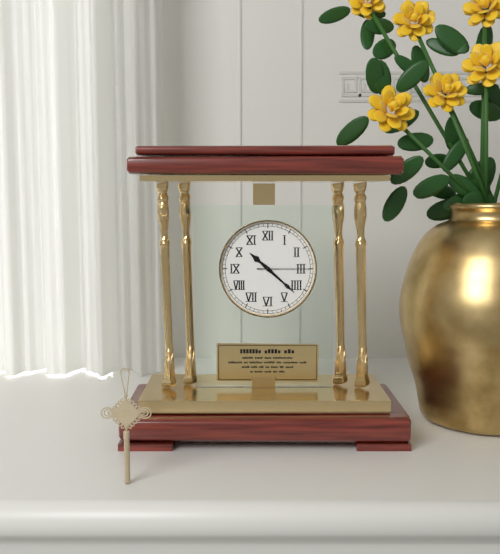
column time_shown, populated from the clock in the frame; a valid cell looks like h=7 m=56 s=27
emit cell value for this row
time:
h=10 m=22 s=15
